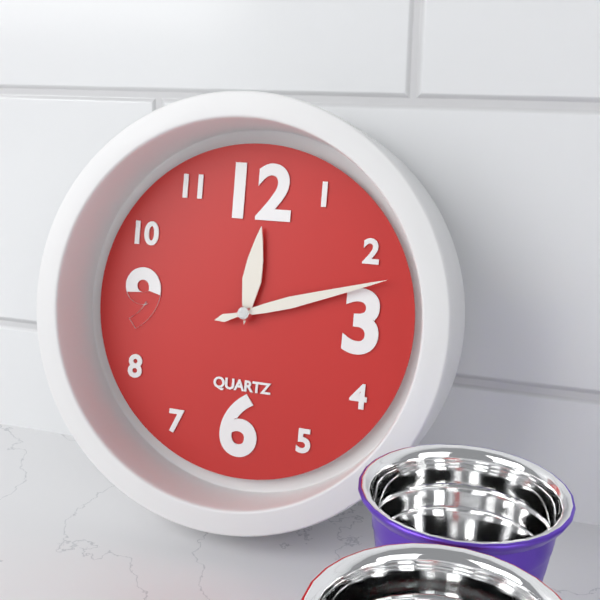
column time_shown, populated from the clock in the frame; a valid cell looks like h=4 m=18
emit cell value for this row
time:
h=12 m=12
